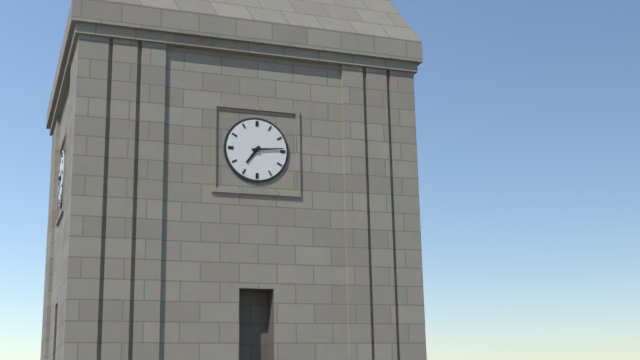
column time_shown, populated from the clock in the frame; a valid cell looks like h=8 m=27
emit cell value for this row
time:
h=7 m=14
